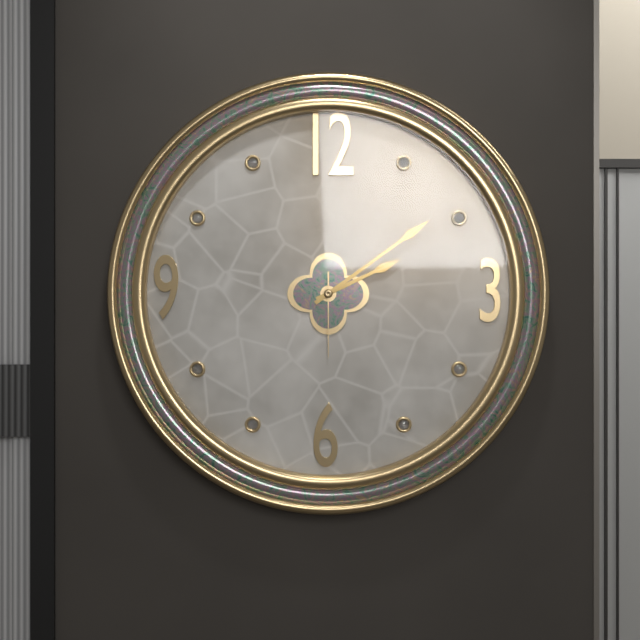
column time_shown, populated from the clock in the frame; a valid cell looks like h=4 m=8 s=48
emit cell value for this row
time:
h=2 m=9 s=30
